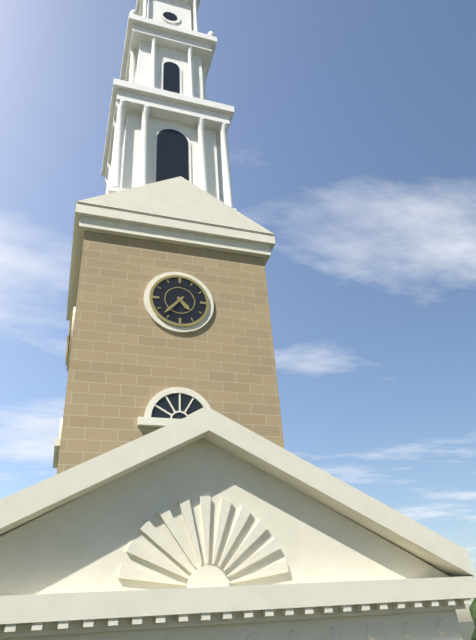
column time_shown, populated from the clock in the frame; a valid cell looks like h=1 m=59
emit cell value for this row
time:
h=4 m=37
